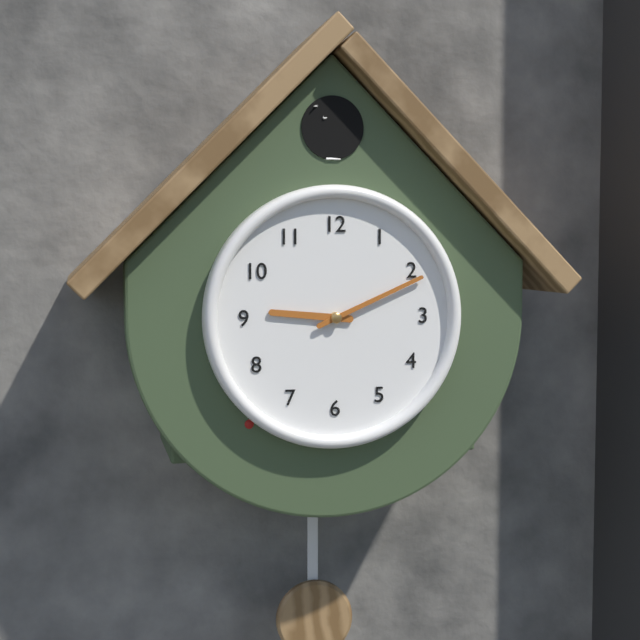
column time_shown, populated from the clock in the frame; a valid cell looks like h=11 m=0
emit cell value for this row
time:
h=9 m=11
